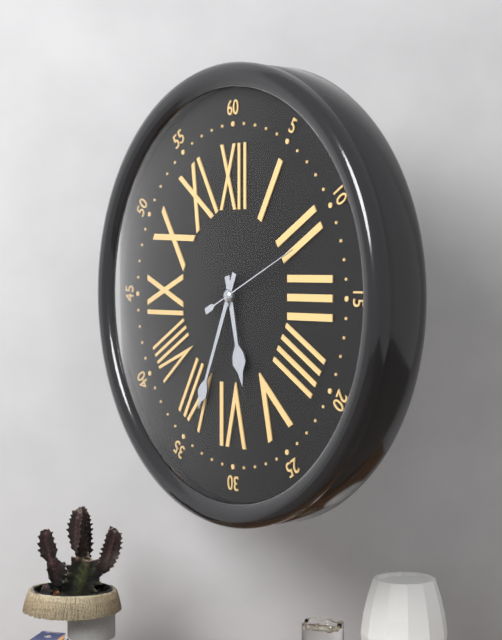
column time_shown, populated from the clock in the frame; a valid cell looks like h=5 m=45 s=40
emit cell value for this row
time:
h=5 m=34 s=11
